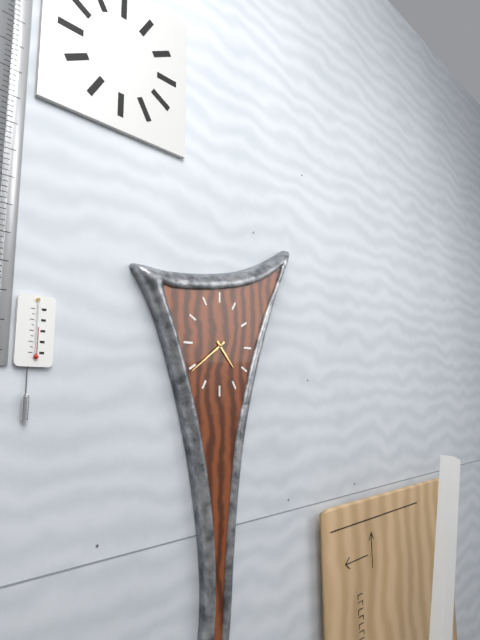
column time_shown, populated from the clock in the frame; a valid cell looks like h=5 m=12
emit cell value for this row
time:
h=4 m=39
